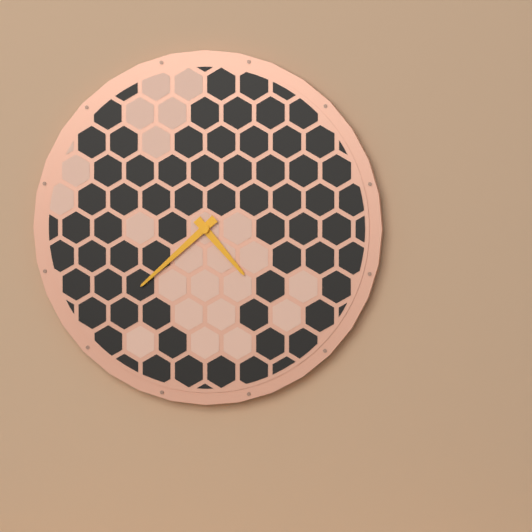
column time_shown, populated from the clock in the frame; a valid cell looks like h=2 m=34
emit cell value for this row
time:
h=4 m=38
